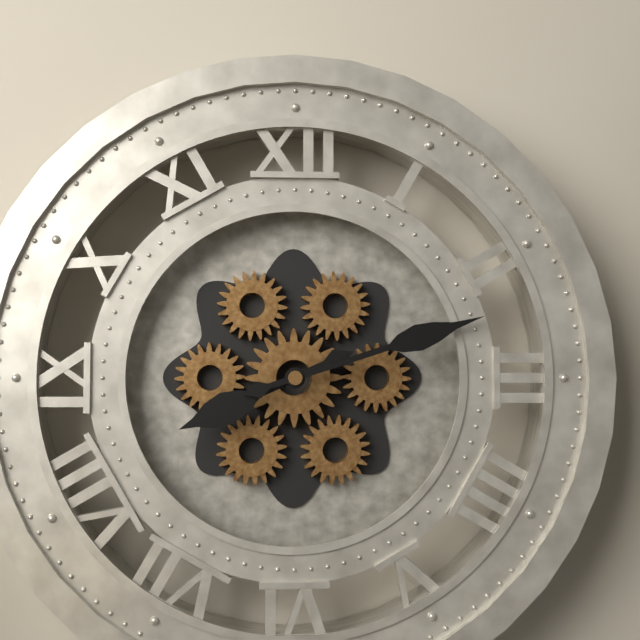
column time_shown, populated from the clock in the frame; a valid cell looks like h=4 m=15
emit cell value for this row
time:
h=8 m=12
